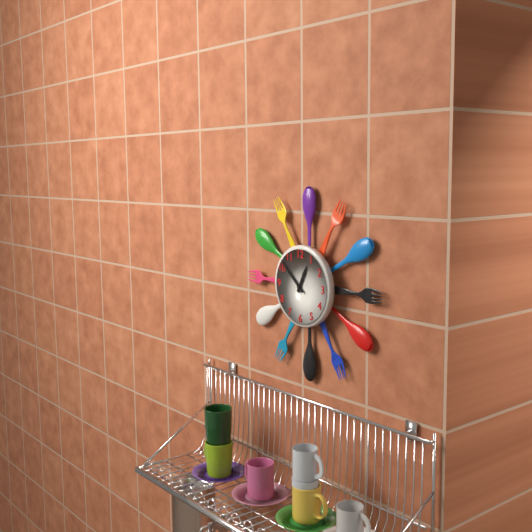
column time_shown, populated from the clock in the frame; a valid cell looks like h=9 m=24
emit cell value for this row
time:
h=12 m=52
